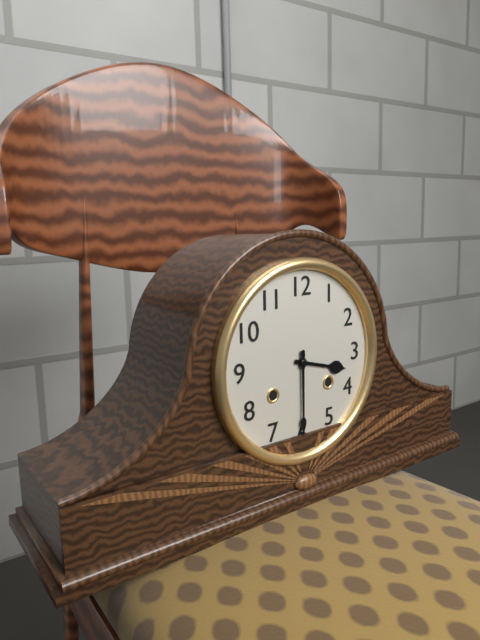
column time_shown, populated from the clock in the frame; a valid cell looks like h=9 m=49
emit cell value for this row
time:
h=3 m=30
